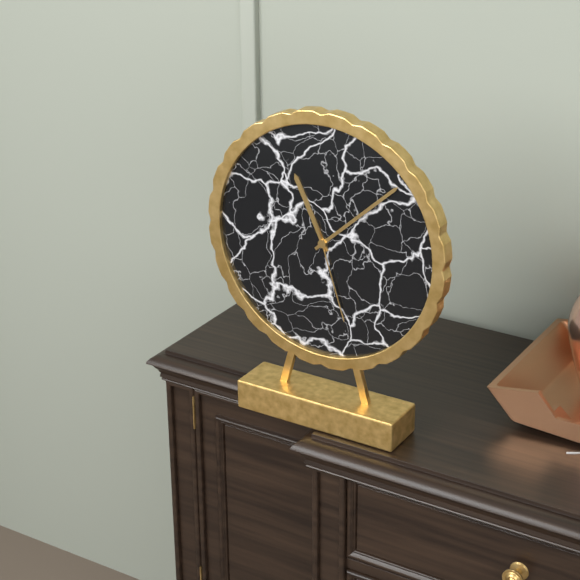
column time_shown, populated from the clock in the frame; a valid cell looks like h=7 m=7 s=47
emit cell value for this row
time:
h=11 m=8 s=27
